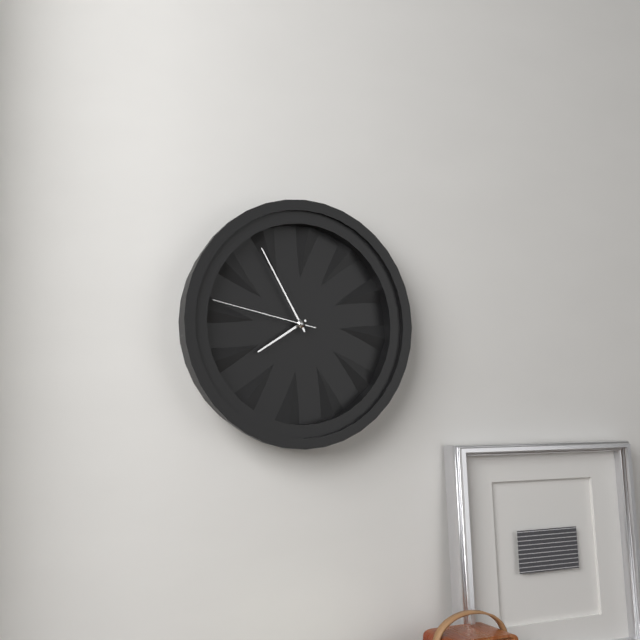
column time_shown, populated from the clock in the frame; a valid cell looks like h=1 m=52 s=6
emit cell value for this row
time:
h=7 m=55 s=47
